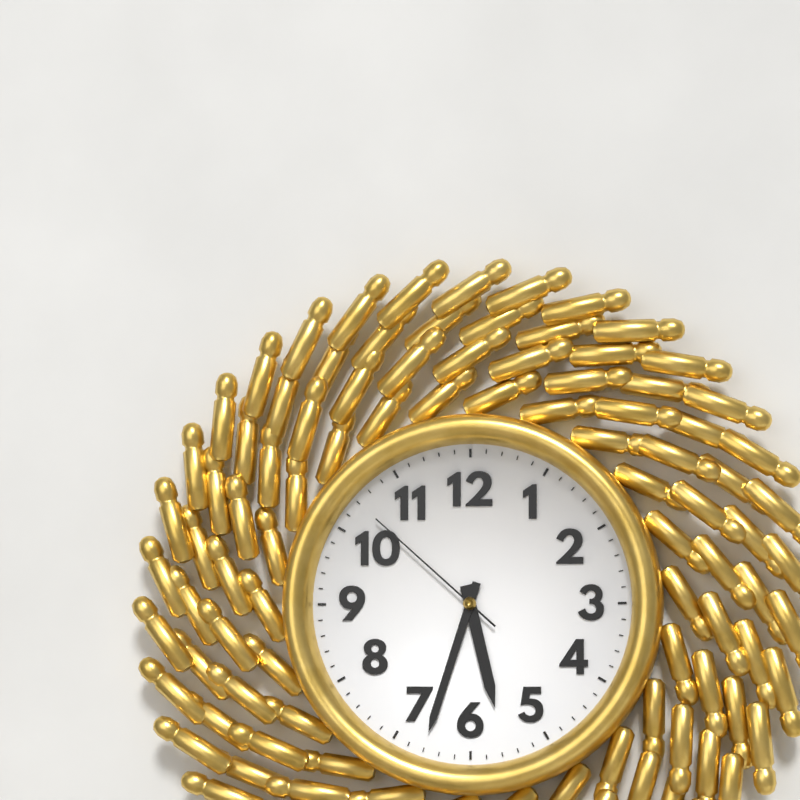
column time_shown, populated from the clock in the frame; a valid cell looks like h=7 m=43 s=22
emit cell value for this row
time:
h=5 m=33 s=52
